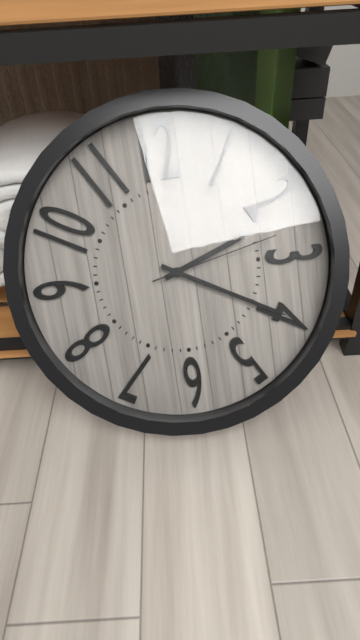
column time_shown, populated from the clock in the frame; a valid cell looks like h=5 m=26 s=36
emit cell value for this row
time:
h=2 m=20 s=13
